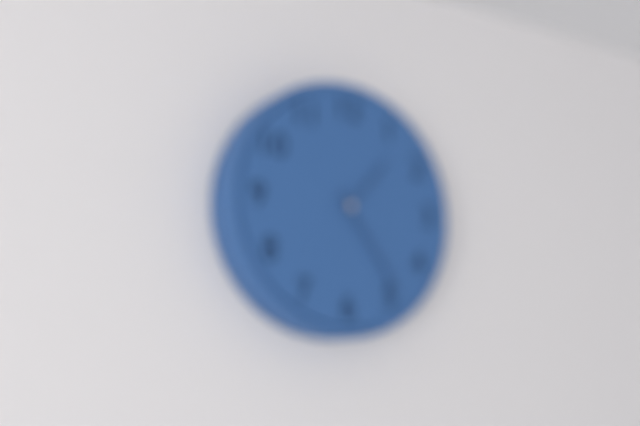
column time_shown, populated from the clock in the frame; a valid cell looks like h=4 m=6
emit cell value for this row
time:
h=1 m=24
